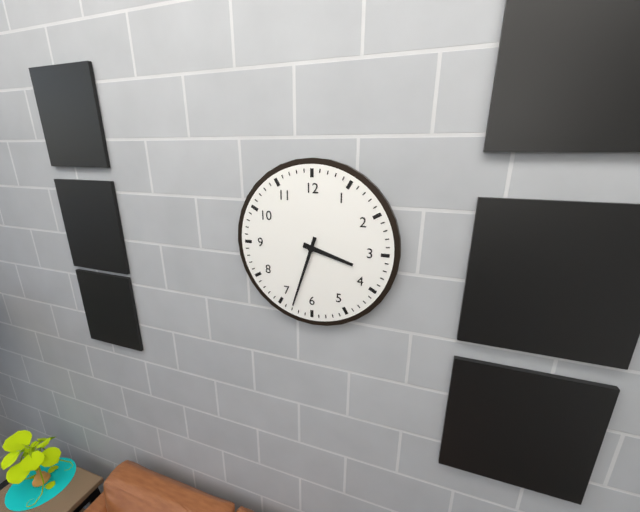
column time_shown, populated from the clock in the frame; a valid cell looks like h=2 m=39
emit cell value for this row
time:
h=3 m=33
